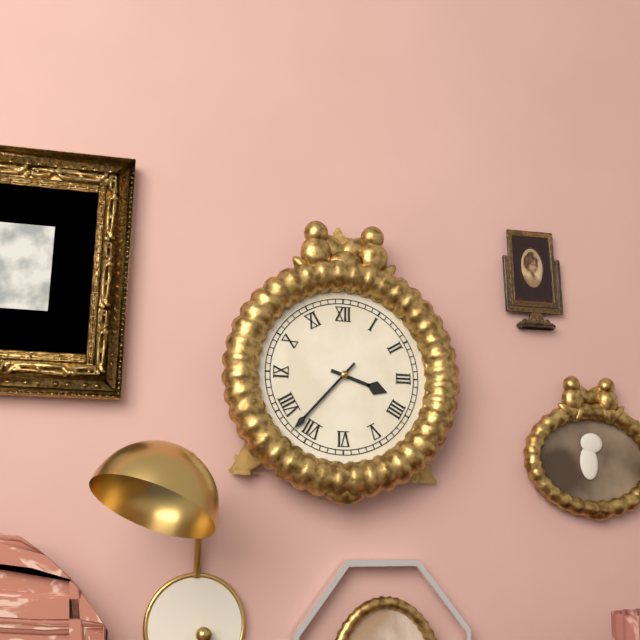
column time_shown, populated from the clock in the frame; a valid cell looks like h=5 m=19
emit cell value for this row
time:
h=3 m=37
